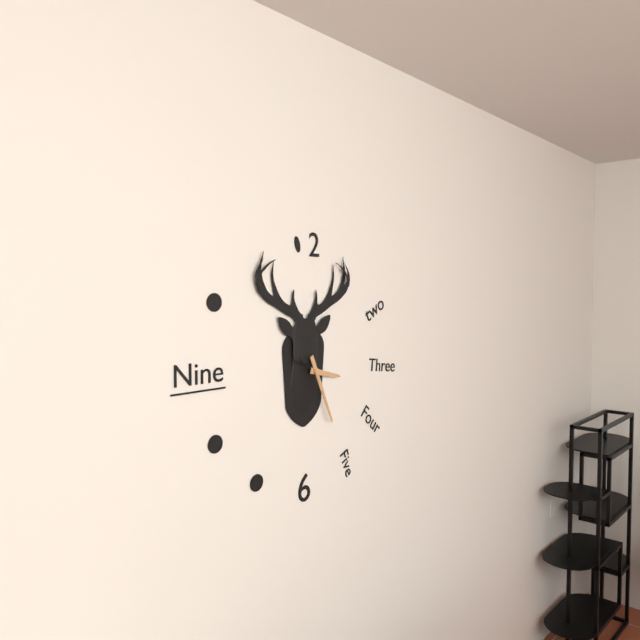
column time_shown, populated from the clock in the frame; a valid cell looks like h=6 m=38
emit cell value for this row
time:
h=3 m=26
